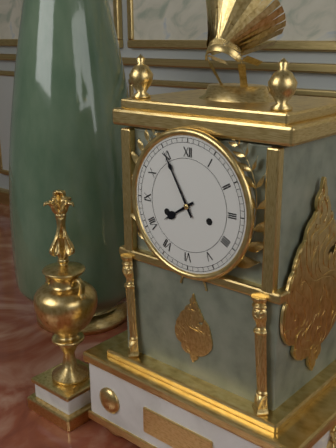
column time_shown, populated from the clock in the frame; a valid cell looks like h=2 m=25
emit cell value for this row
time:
h=7 m=55
